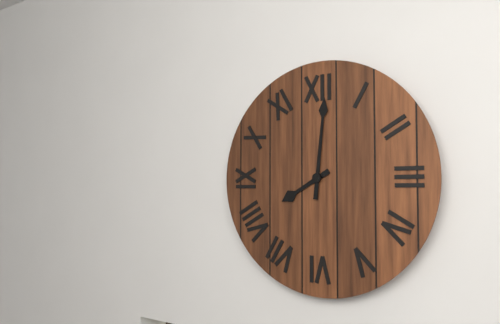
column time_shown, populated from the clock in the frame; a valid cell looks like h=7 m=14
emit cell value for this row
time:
h=8 m=1
